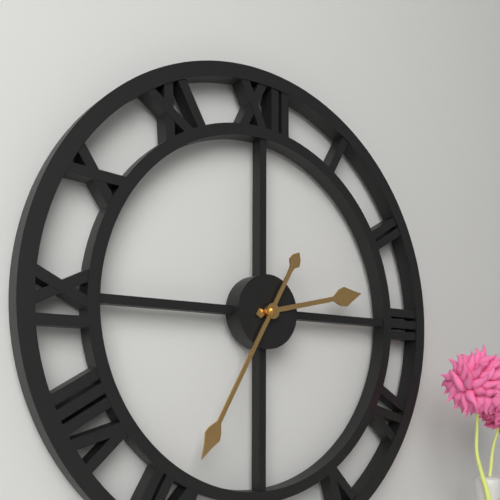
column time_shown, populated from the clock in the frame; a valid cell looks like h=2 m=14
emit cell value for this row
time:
h=2 m=35
